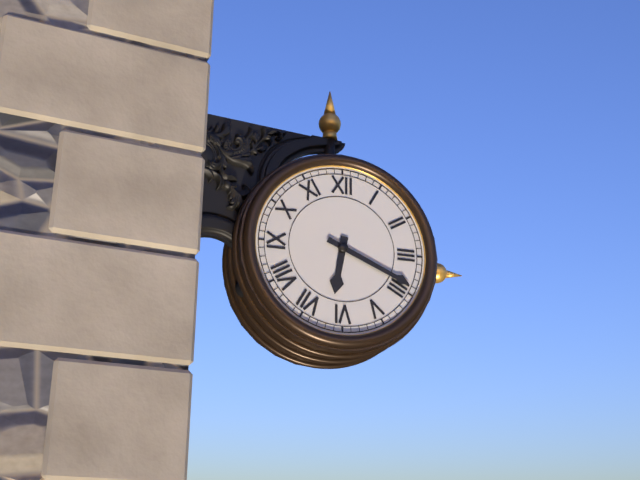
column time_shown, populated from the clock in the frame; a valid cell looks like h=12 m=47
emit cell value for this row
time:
h=6 m=19
